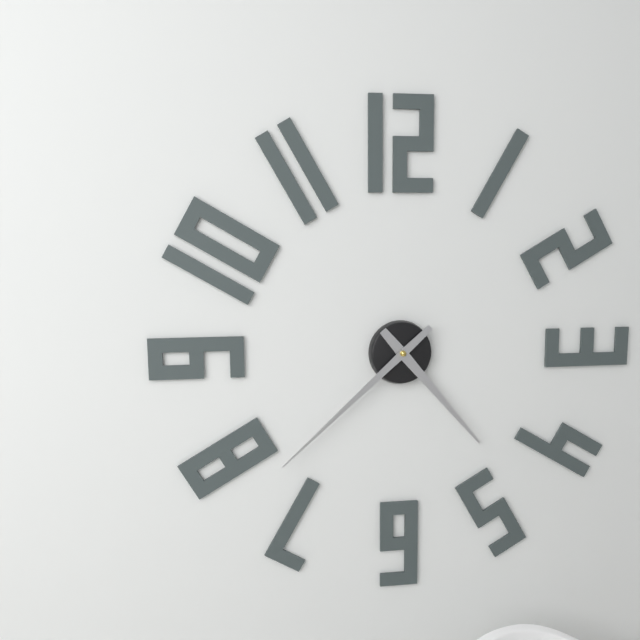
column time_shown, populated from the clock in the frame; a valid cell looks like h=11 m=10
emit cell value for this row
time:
h=4 m=38
